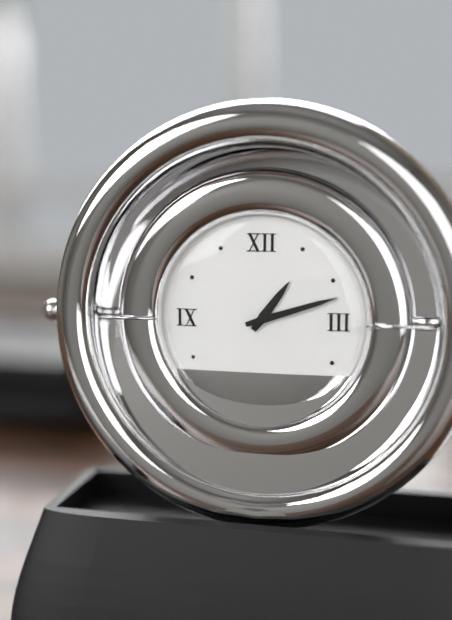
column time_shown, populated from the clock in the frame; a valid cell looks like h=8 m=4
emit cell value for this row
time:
h=1 m=12
